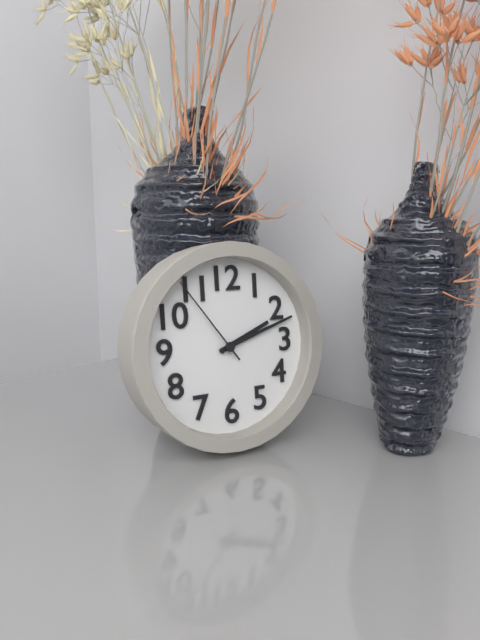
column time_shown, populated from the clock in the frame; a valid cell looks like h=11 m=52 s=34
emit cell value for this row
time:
h=2 m=12 s=54
